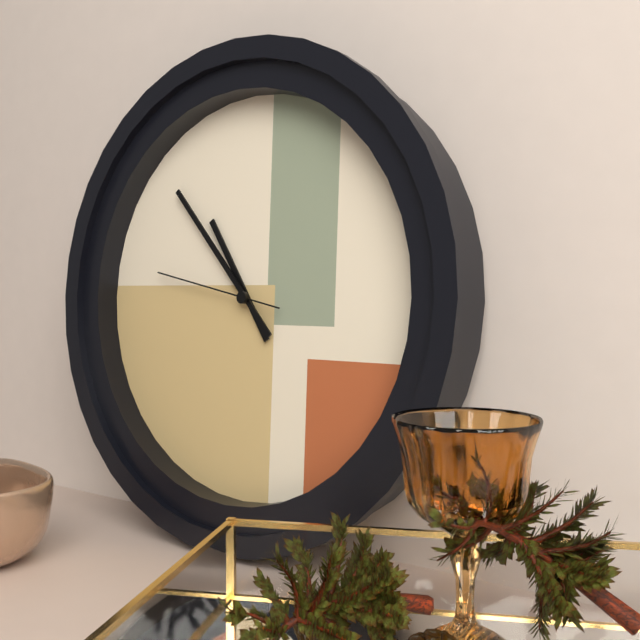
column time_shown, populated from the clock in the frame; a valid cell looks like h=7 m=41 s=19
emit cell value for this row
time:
h=10 m=53 s=47
